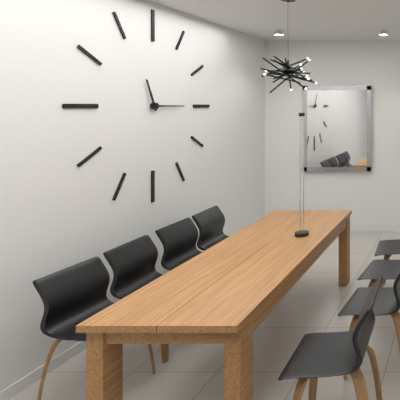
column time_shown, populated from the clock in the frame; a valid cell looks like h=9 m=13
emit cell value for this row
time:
h=11 m=15
